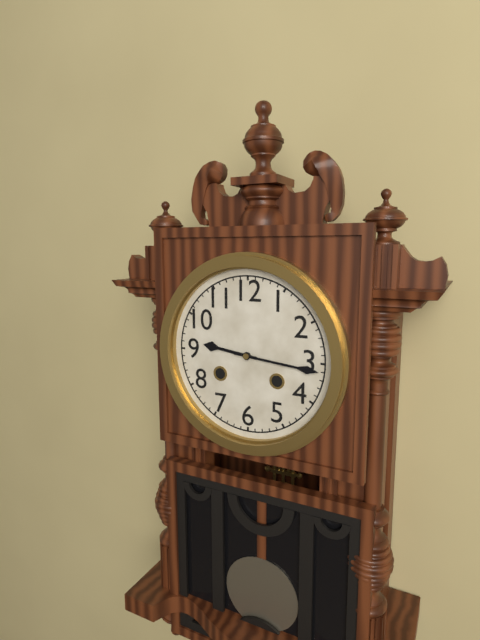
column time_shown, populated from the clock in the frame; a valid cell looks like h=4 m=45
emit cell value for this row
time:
h=9 m=16
